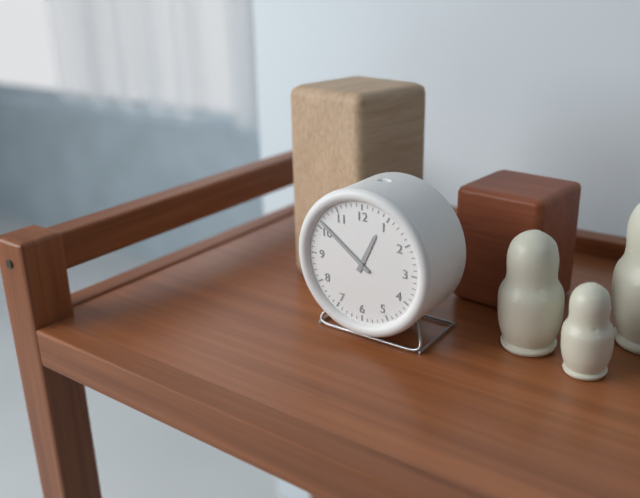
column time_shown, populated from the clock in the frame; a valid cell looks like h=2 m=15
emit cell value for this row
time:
h=12 m=51
